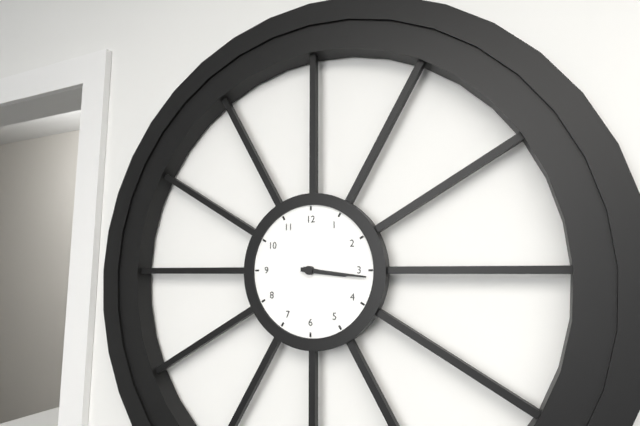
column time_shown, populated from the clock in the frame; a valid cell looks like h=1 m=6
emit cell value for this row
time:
h=3 m=16
